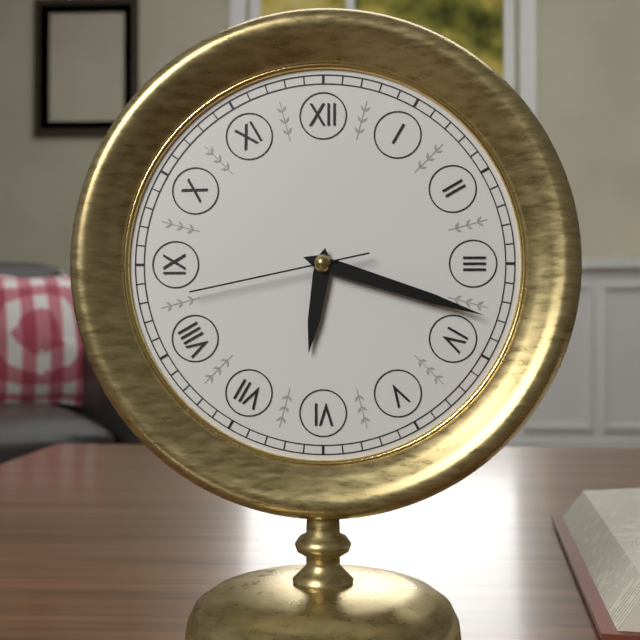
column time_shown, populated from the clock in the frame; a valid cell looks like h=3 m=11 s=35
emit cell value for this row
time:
h=6 m=18 s=43
